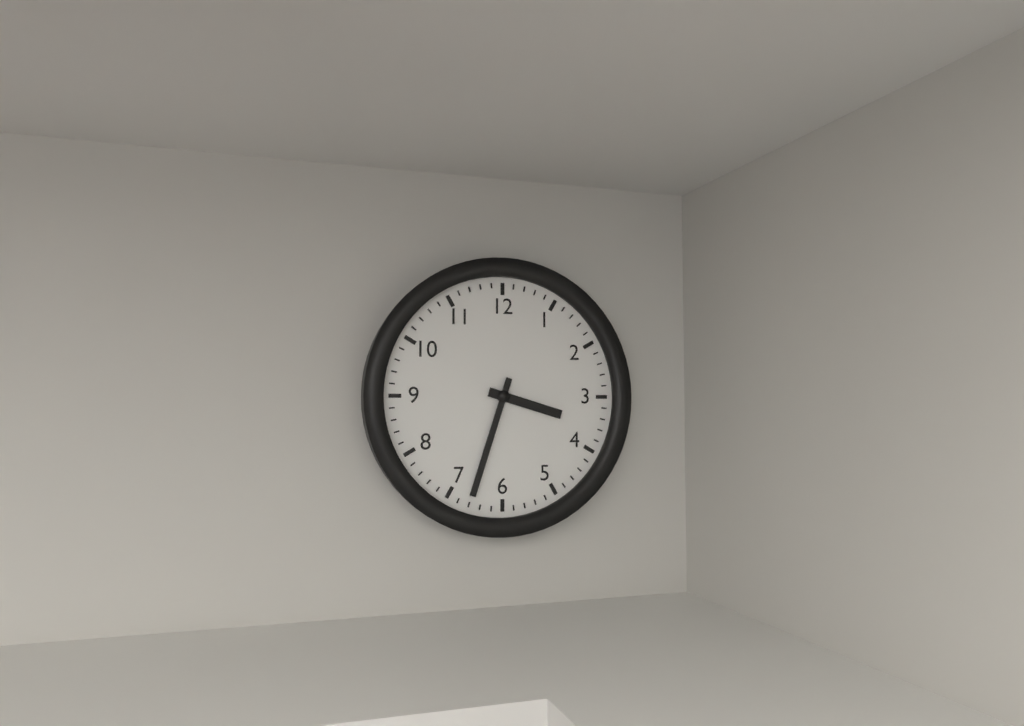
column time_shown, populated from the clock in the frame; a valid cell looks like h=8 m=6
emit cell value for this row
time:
h=3 m=33
